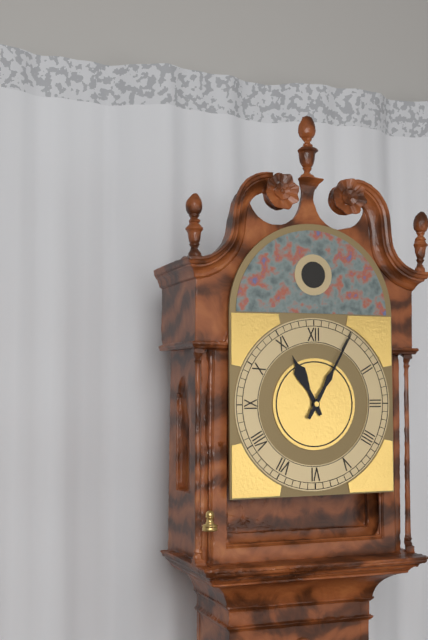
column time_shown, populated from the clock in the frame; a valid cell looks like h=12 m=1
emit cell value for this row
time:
h=11 m=5
